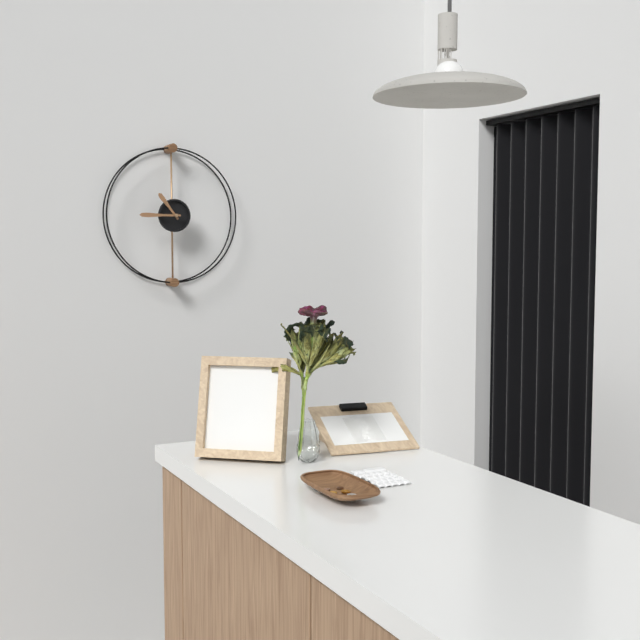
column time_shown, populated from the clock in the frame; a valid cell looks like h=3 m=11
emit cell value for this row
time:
h=10 m=45
